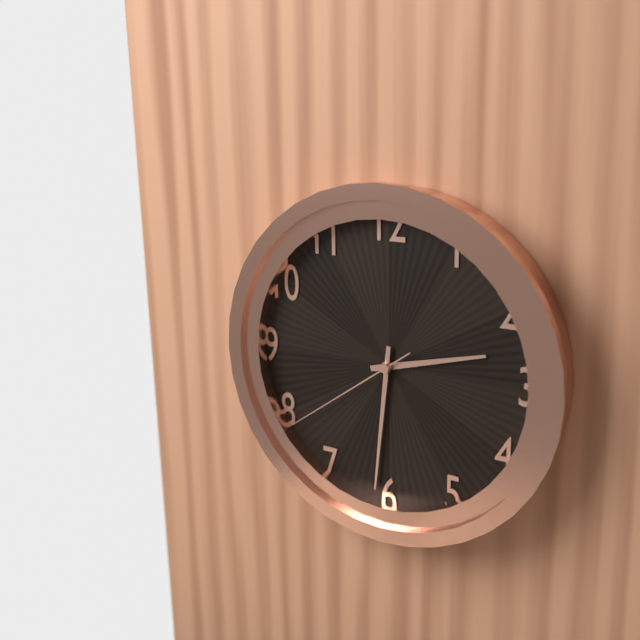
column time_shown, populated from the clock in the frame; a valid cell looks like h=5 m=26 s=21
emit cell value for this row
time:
h=2 m=31 s=39
